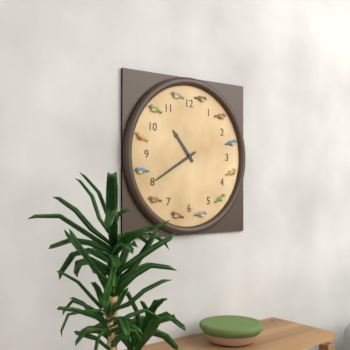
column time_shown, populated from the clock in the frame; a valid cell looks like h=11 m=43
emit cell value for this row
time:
h=10 m=40
